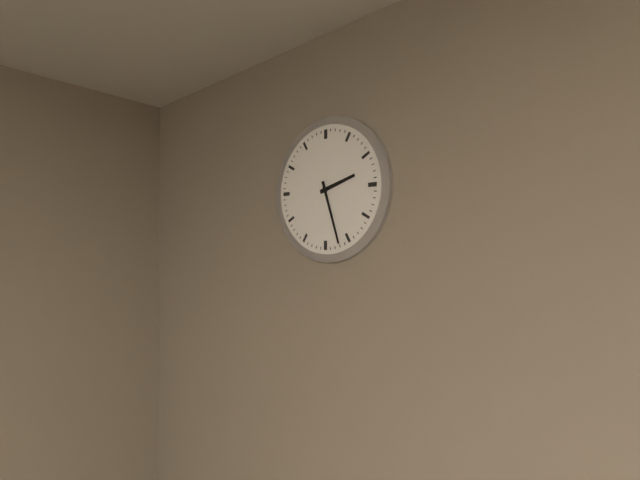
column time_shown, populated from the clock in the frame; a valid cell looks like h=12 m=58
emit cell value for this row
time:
h=2 m=27
